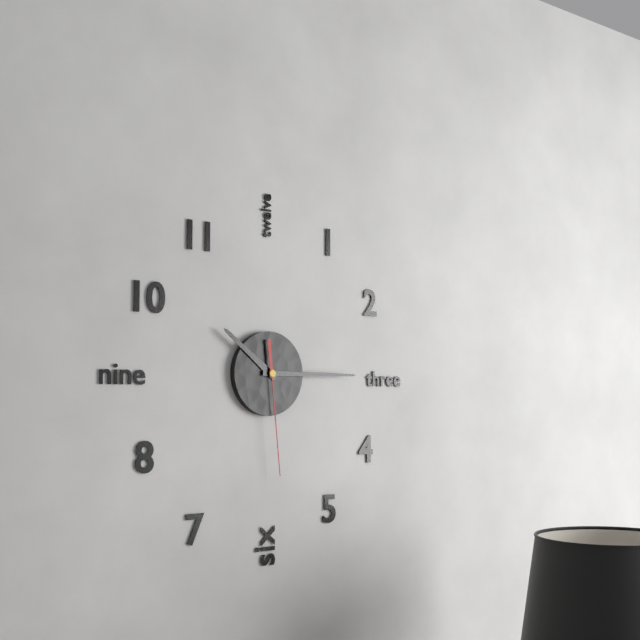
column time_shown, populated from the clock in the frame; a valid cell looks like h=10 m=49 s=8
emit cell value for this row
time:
h=10 m=15 s=29
